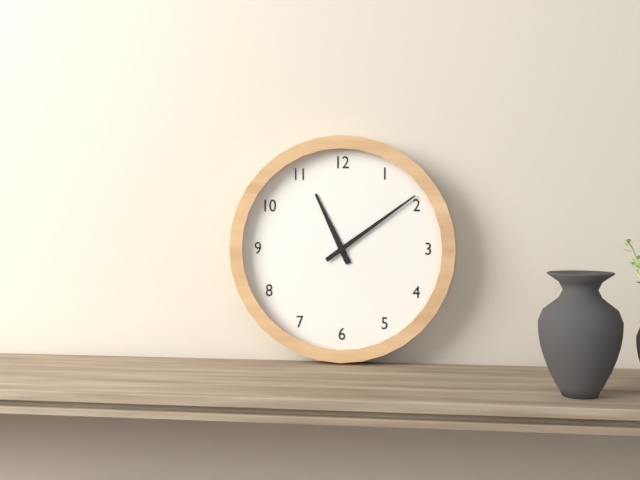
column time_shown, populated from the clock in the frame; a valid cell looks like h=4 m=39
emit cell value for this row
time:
h=11 m=9
